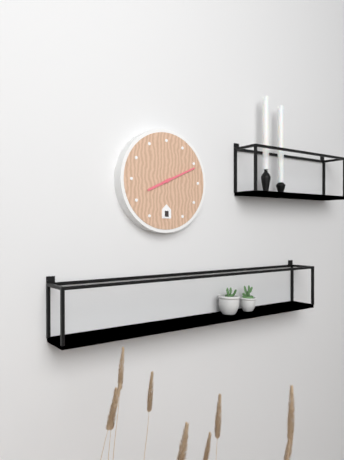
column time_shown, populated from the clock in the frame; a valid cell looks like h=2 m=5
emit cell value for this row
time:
h=8 m=11
